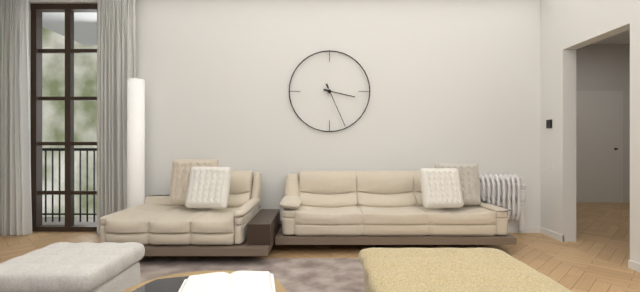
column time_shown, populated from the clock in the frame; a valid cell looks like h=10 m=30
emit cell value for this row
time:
h=3 m=26
